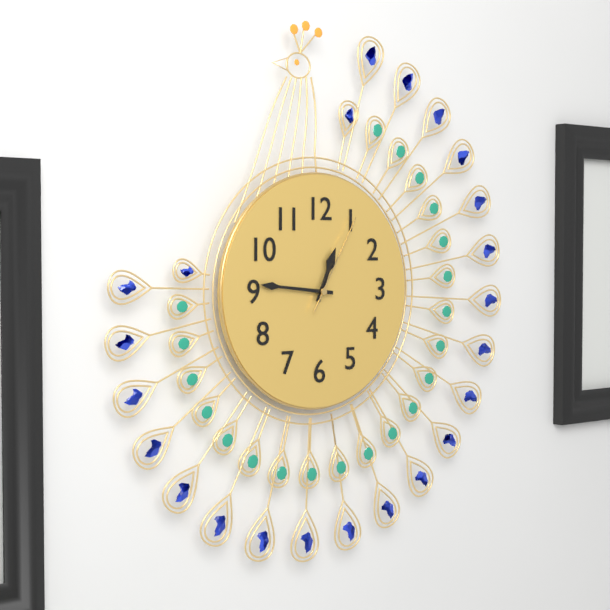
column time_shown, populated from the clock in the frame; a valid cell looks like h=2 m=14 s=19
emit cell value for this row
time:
h=12 m=46 s=5
